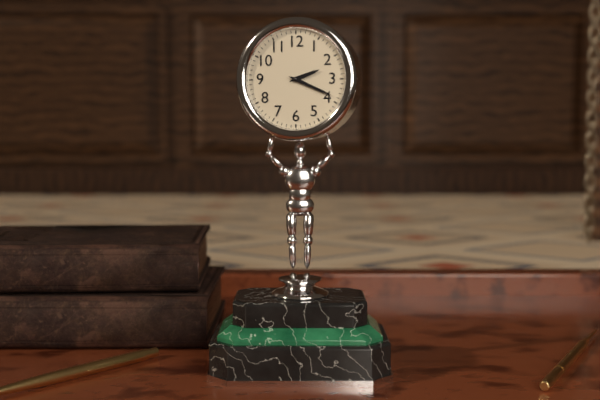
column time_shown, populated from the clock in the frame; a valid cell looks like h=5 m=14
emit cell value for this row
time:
h=2 m=19
